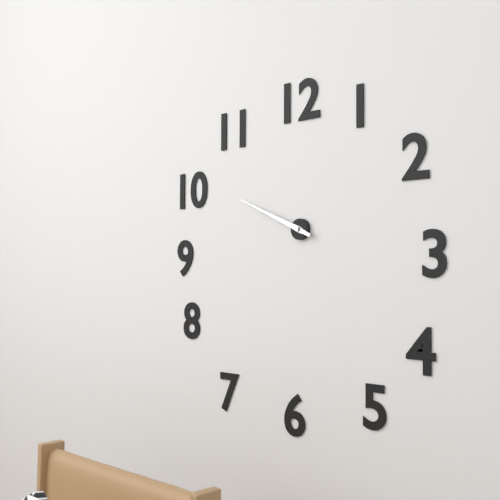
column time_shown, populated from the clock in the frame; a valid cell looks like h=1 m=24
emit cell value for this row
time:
h=9 m=49
